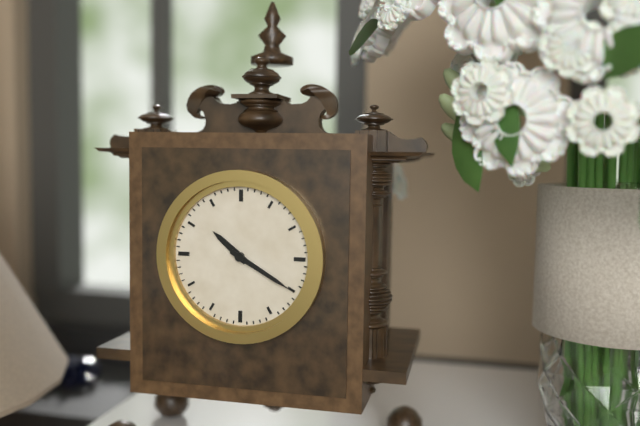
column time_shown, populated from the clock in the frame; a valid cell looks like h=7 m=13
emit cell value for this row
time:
h=10 m=20
